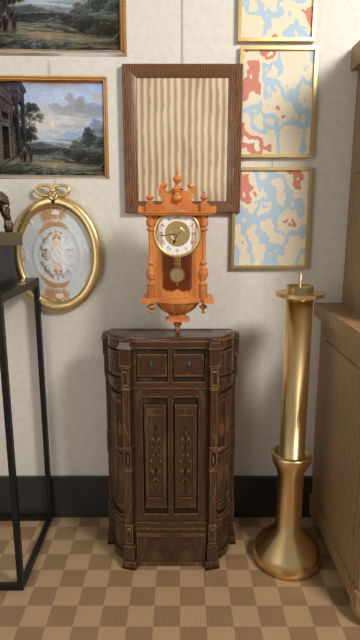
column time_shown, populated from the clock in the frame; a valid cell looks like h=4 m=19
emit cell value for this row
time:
h=6 m=44
